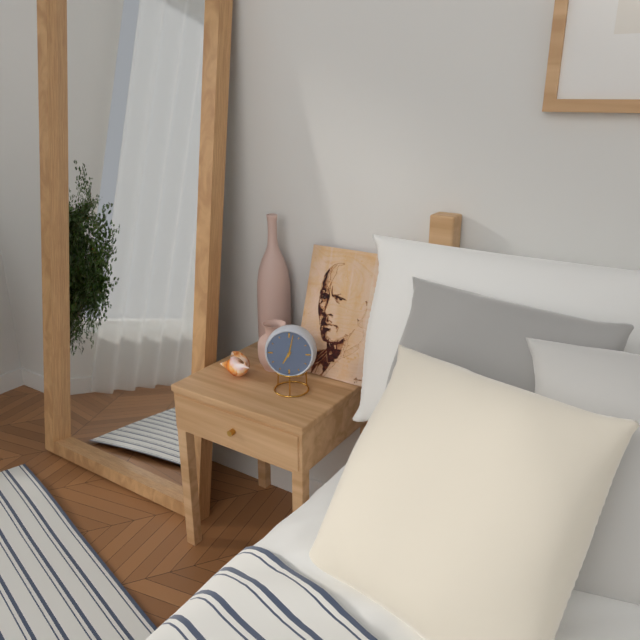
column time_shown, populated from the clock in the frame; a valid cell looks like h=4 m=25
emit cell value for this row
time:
h=7 m=2
